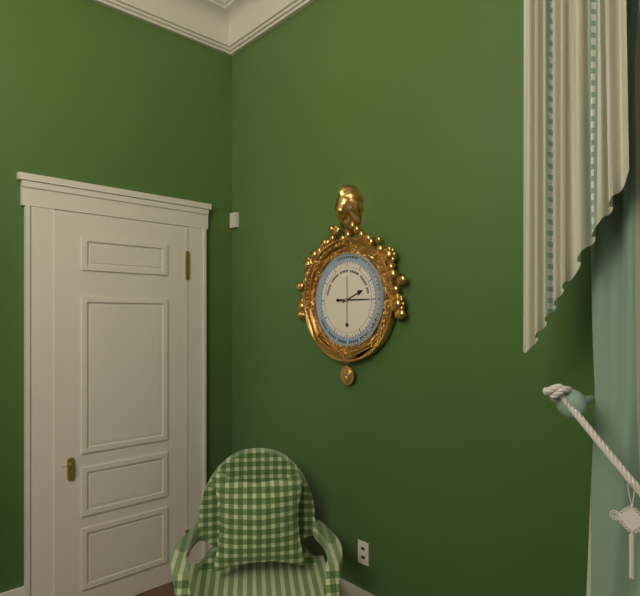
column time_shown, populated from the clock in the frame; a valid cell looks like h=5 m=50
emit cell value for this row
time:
h=2 m=15
